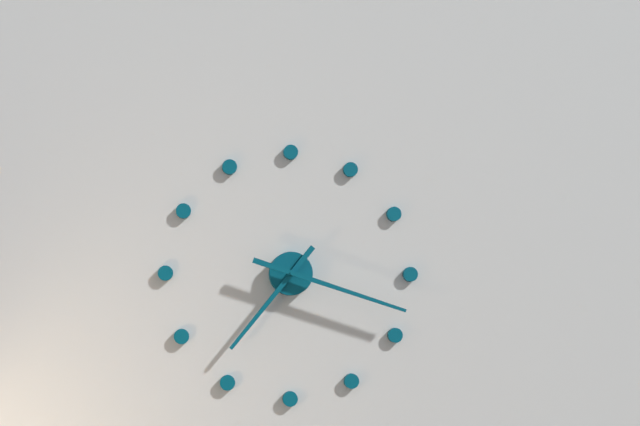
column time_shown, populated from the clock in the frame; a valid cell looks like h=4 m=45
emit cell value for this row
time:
h=7 m=18
